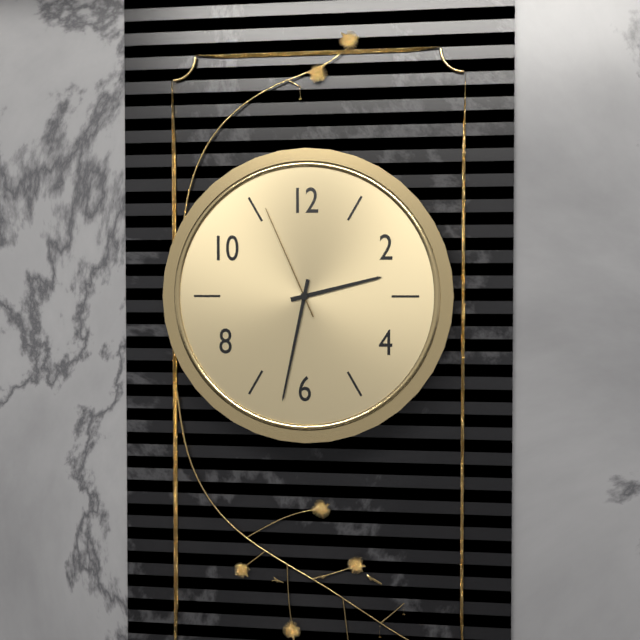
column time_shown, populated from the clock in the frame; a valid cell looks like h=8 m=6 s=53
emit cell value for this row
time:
h=2 m=32 s=56
